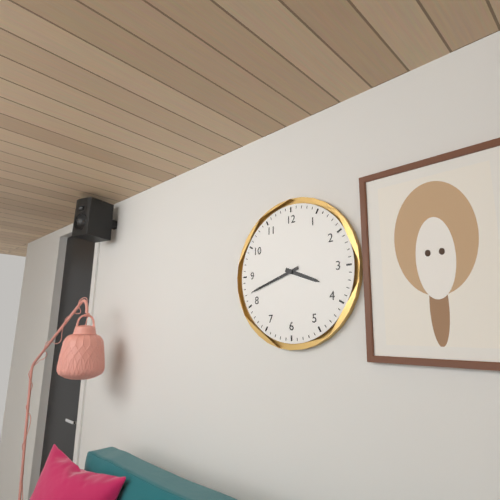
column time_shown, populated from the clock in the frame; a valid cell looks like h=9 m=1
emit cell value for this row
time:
h=3 m=42
